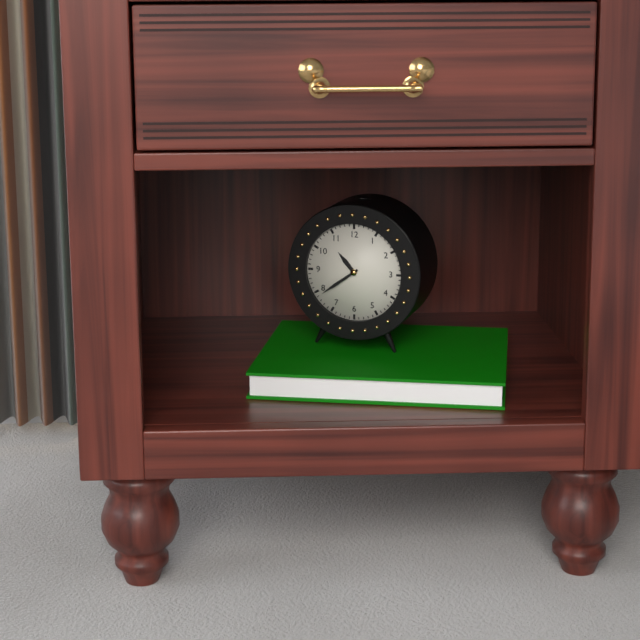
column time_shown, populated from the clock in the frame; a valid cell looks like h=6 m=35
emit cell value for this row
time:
h=10 m=39
